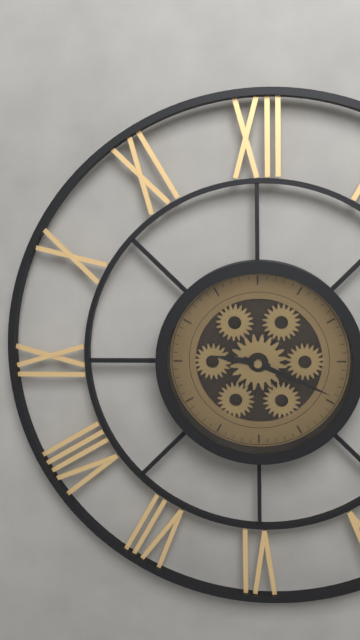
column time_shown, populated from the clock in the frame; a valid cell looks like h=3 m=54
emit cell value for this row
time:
h=9 m=19
